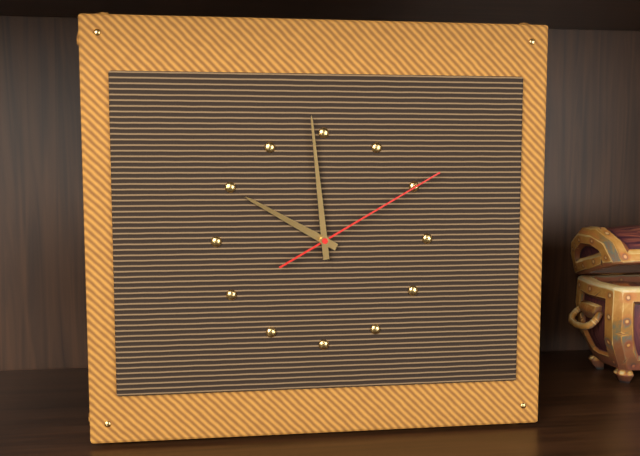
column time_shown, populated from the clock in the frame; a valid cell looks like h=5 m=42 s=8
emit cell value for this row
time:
h=9 m=59 s=10
